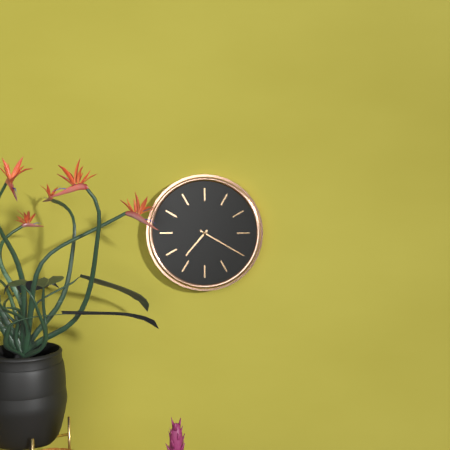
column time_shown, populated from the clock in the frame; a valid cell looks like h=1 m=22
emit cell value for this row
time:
h=7 m=20
